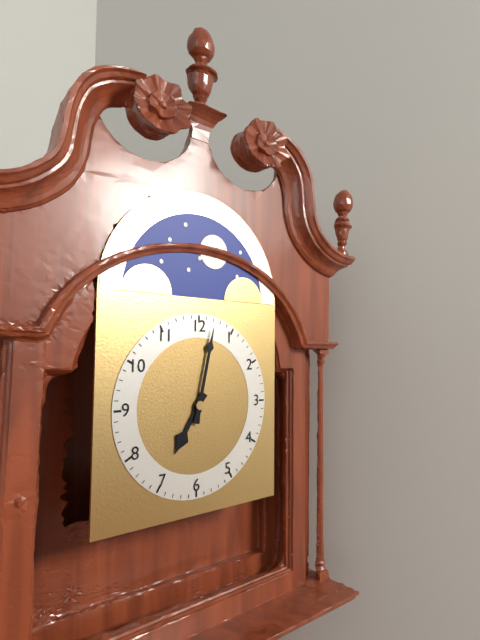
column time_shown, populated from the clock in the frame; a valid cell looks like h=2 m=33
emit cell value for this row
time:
h=7 m=2
